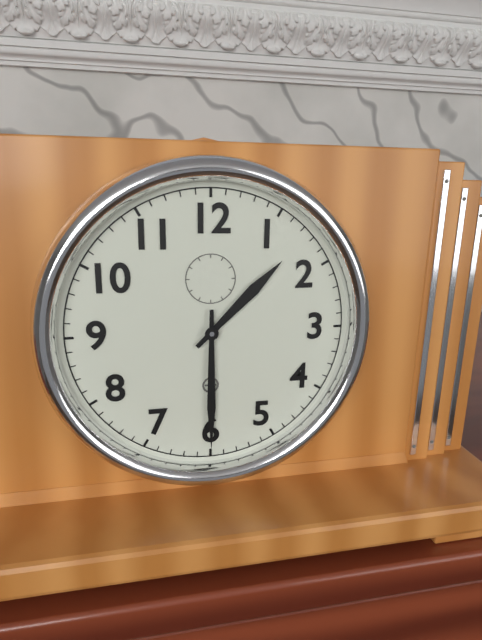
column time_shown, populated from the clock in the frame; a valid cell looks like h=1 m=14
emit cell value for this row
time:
h=1 m=30
